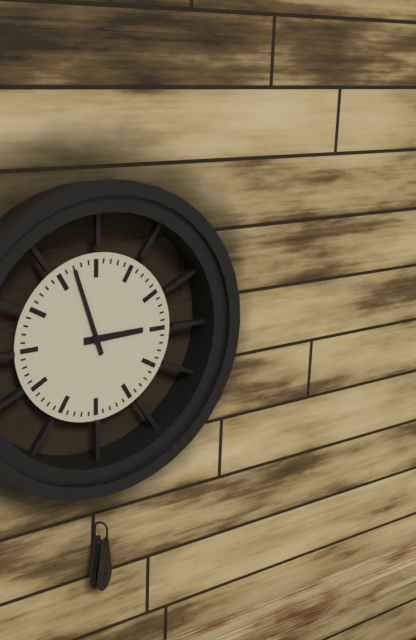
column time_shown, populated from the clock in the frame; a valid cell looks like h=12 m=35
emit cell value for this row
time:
h=2 m=57
